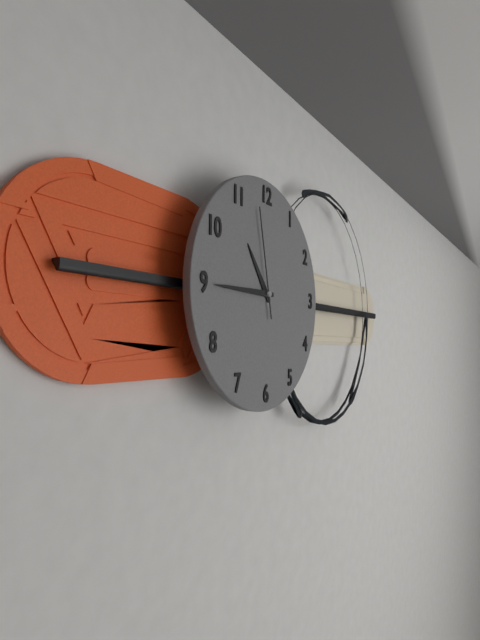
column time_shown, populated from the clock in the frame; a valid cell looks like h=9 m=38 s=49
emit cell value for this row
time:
h=10 m=45 s=58
